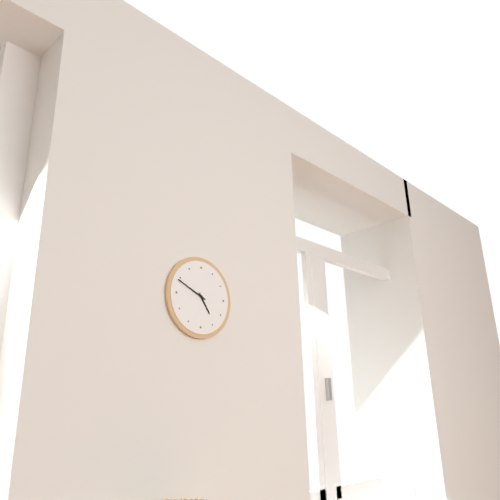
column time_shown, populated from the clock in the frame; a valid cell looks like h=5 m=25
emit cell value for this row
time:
h=4 m=49
